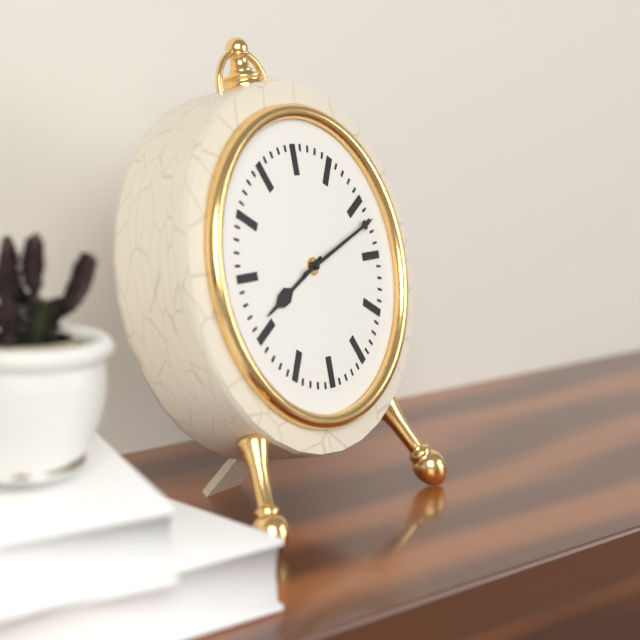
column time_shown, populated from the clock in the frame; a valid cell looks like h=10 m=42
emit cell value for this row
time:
h=8 m=12
